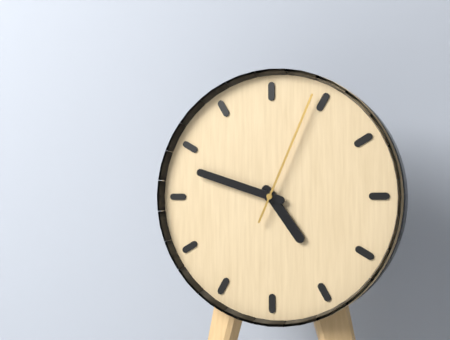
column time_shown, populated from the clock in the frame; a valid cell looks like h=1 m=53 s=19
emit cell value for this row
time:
h=4 m=48 s=4
